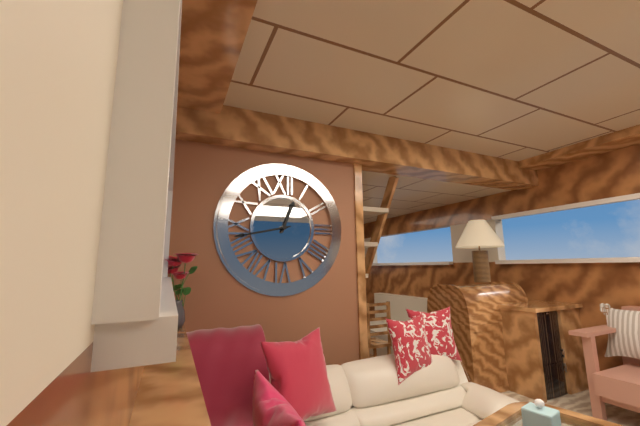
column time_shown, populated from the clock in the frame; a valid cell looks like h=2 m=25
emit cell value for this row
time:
h=12 m=43
